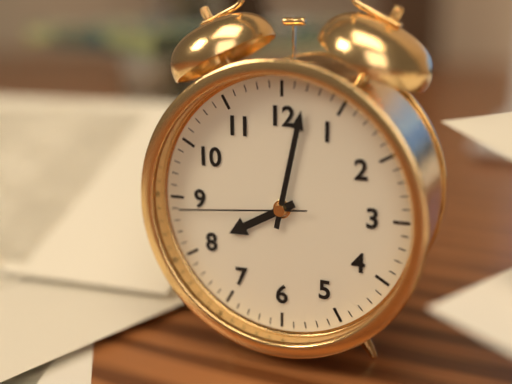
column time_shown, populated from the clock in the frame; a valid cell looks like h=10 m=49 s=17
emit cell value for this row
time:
h=8 m=2 s=44
